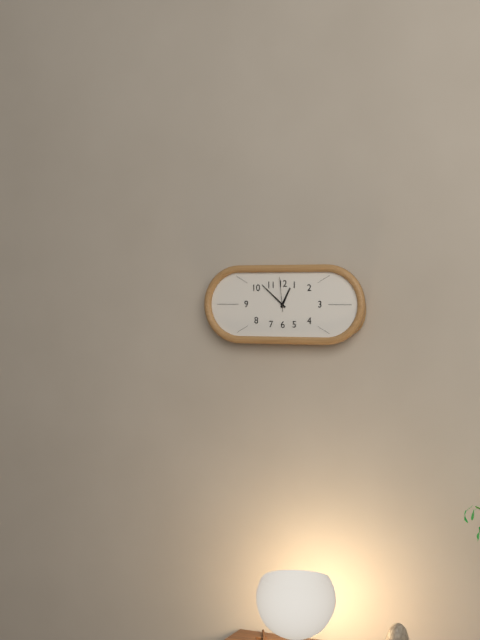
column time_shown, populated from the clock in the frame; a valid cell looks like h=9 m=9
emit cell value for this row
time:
h=12 m=52
